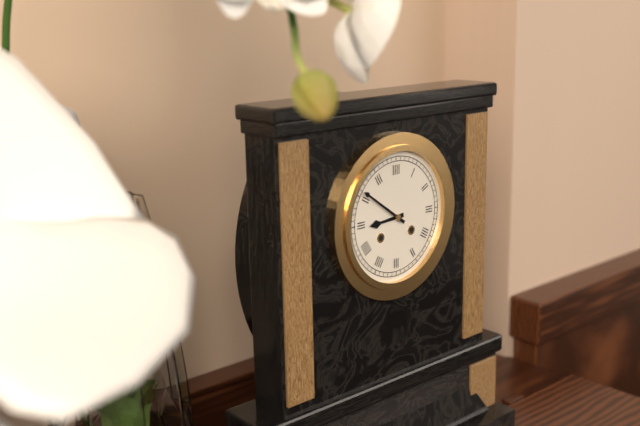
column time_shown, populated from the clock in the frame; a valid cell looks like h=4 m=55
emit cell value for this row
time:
h=8 m=51
